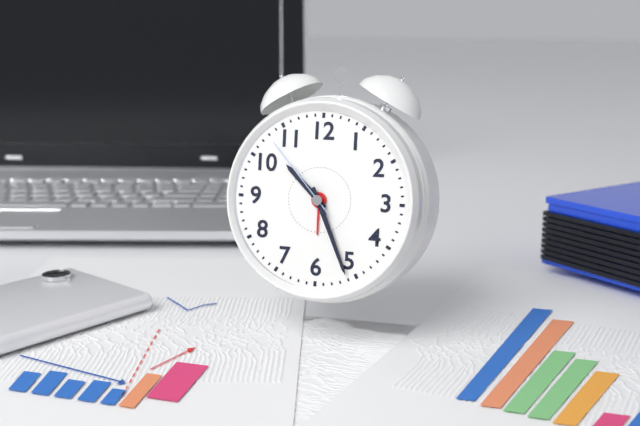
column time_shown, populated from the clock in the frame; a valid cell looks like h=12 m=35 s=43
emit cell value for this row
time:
h=10 m=26 s=53
